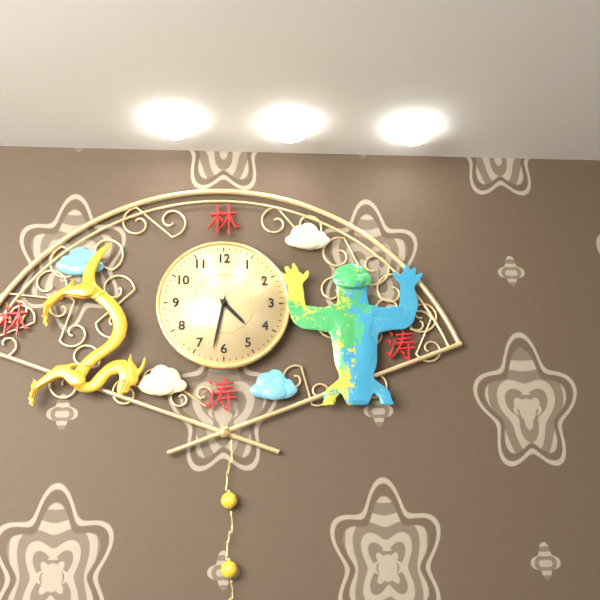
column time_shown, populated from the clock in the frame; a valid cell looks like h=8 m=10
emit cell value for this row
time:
h=4 m=32
